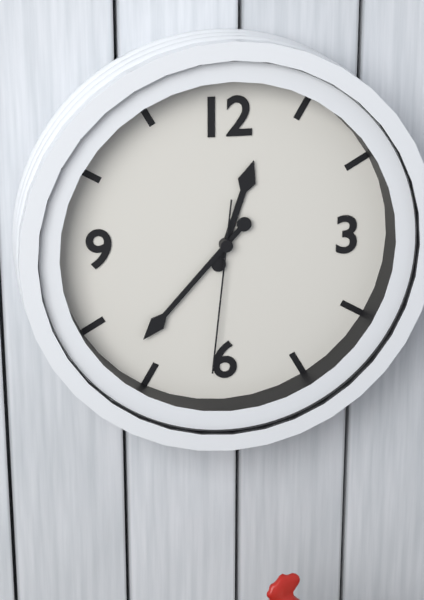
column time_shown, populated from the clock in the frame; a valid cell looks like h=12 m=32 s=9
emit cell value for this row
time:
h=12 m=37 s=31
